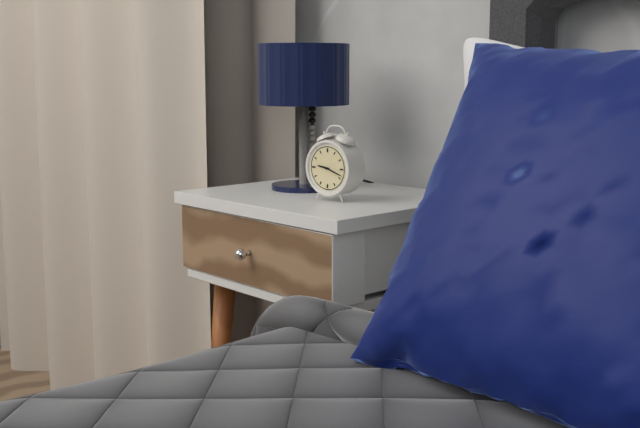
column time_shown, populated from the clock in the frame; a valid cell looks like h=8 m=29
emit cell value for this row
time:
h=9 m=18
